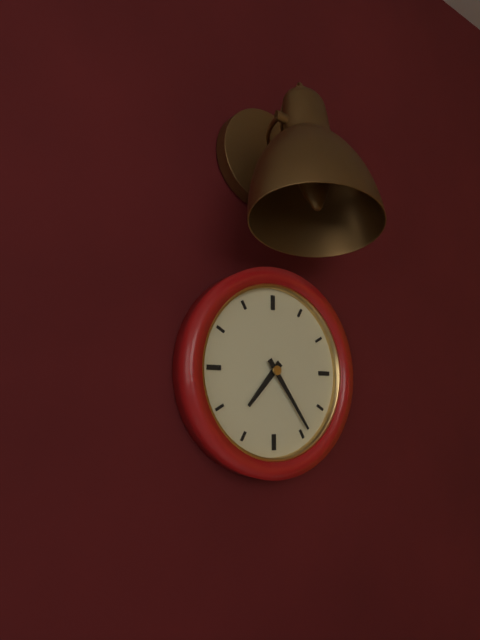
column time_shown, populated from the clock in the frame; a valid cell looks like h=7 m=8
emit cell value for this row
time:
h=7 m=24
